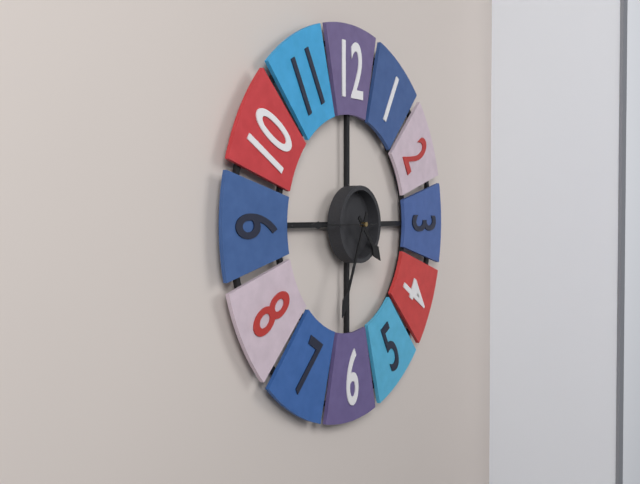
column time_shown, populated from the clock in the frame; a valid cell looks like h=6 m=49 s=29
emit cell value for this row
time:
h=4 m=34 s=45
